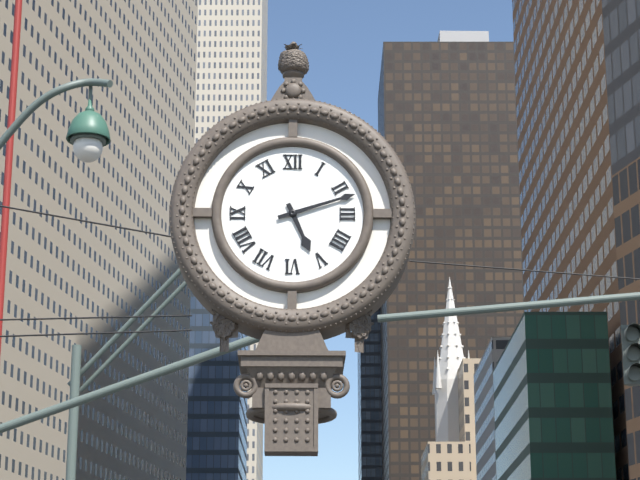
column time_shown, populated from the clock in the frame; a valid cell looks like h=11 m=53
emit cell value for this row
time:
h=5 m=12
